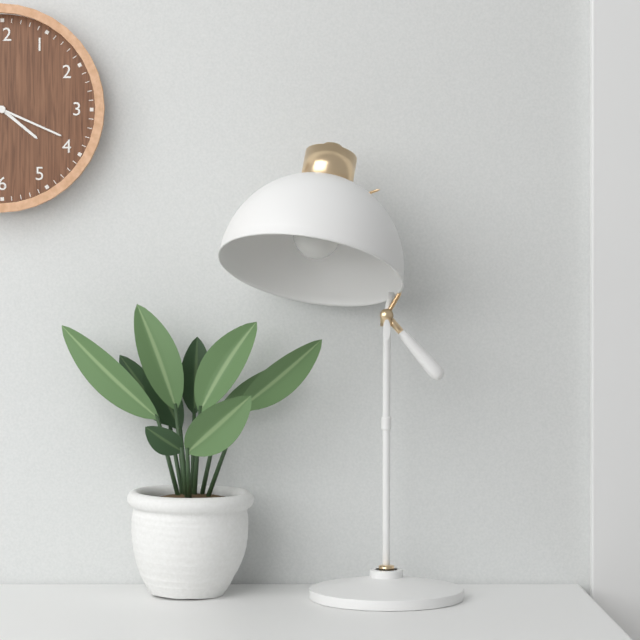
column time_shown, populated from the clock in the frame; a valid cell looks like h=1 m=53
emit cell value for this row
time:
h=4 m=19
